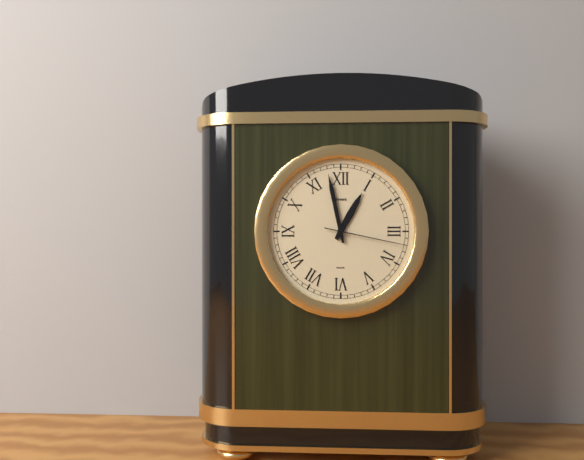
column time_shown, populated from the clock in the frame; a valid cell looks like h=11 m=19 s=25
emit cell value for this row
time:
h=12 m=58 s=17
